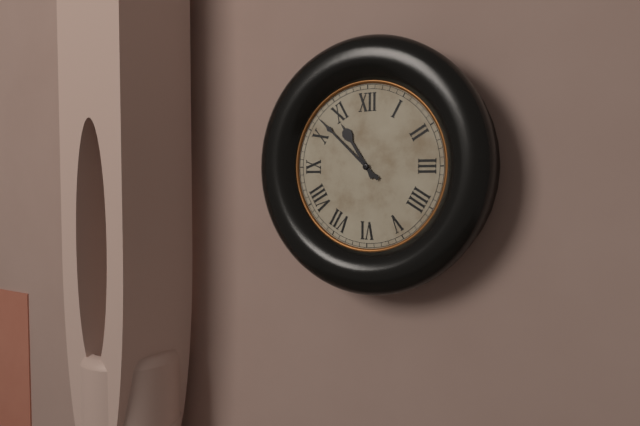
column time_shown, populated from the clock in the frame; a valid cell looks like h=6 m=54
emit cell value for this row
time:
h=10 m=52
